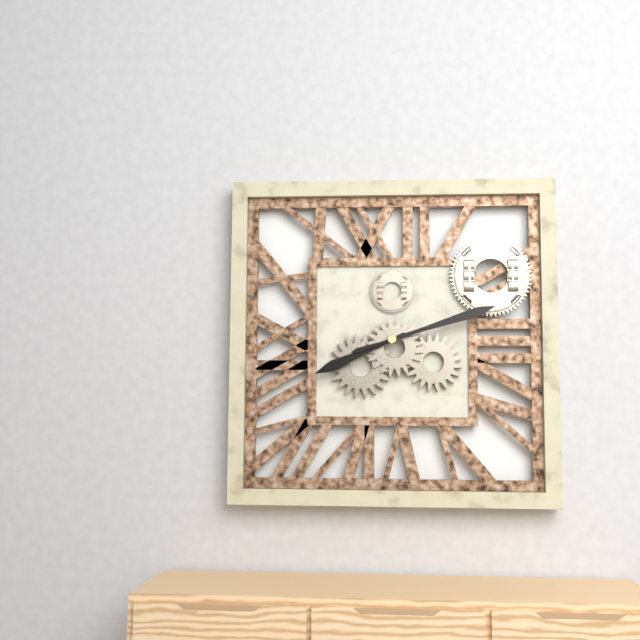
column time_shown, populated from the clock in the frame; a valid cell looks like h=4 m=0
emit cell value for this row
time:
h=8 m=12
